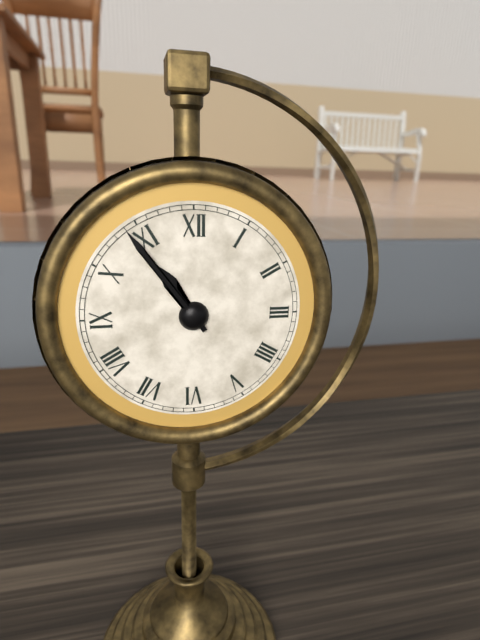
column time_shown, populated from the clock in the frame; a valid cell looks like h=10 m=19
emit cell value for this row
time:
h=10 m=54
